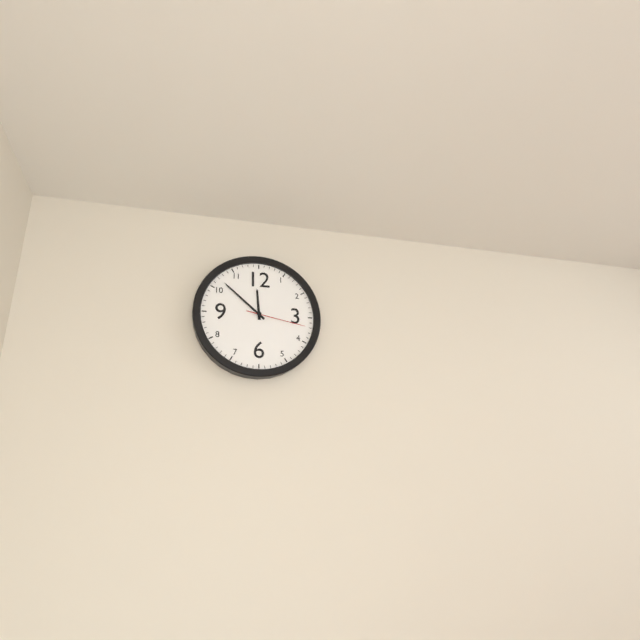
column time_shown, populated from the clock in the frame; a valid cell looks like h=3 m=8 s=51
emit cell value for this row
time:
h=11 m=52 s=17
